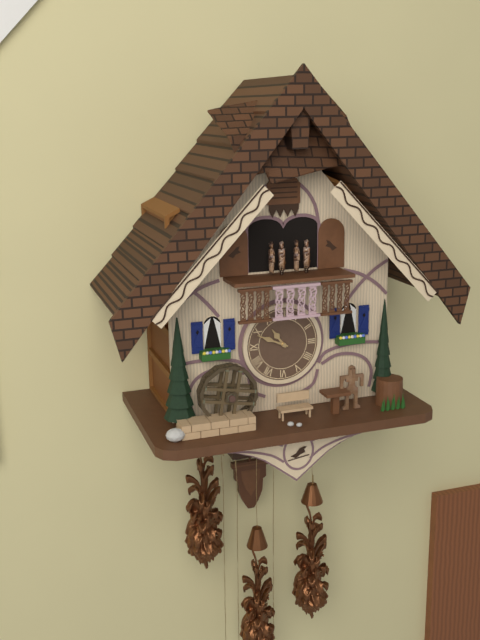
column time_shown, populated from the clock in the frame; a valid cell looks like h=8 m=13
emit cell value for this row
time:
h=10 m=49
